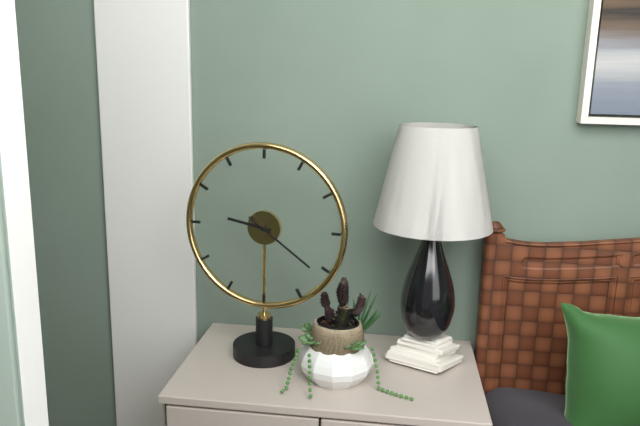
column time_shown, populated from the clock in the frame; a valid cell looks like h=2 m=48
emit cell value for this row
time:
h=9 m=21
